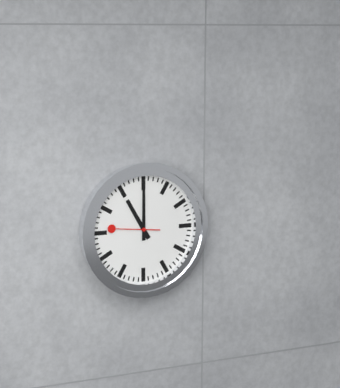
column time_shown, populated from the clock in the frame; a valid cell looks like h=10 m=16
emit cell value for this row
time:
h=11 m=0
